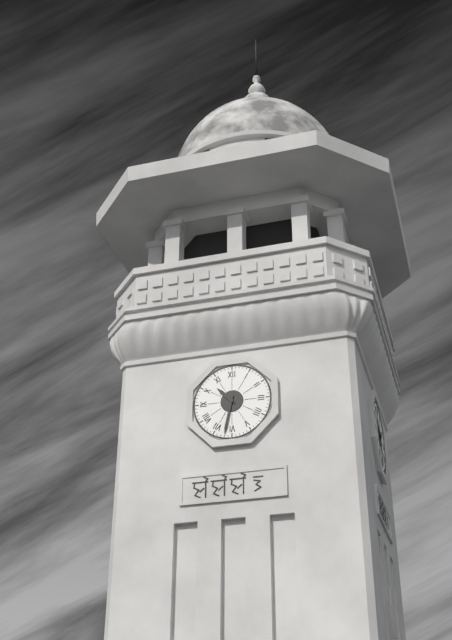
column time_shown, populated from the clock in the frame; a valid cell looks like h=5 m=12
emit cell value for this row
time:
h=10 m=32
